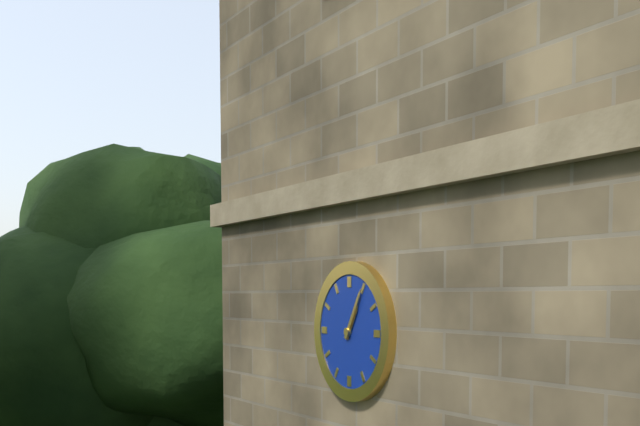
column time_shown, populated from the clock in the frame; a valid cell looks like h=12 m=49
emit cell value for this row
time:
h=1 m=5
